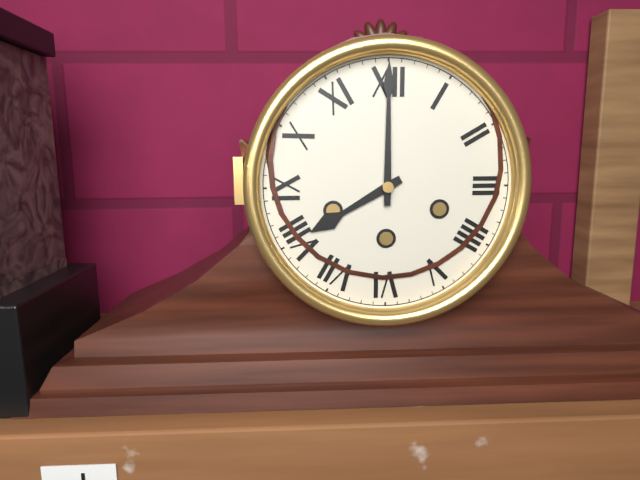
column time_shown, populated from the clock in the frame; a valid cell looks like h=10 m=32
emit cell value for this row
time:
h=8 m=0
